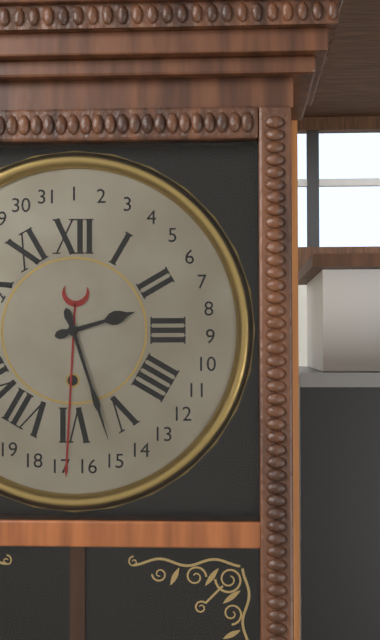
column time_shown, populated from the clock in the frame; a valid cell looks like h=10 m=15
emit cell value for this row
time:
h=2 m=27
